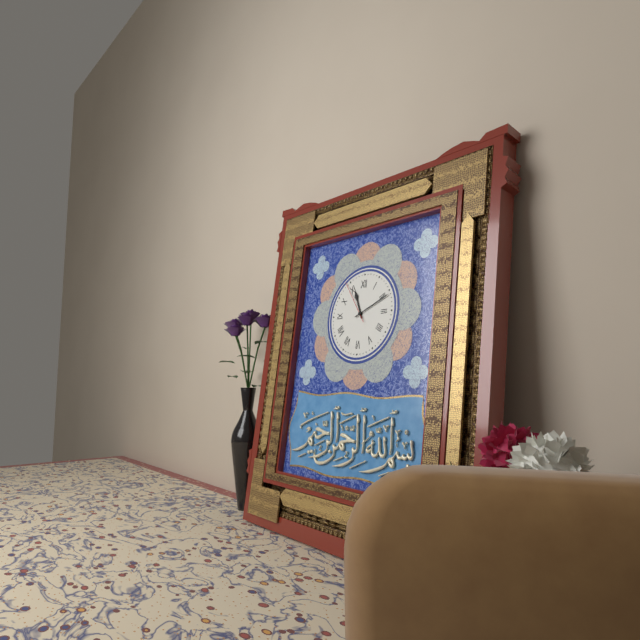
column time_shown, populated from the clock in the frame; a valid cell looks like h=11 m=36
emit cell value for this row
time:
h=11 m=11
